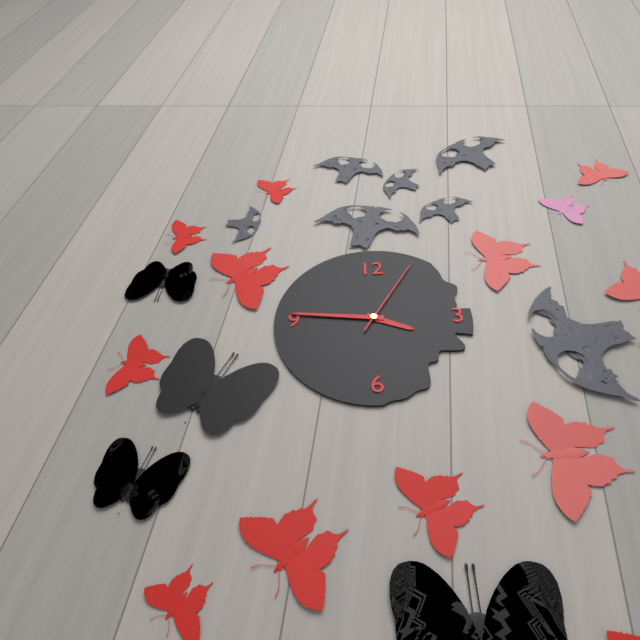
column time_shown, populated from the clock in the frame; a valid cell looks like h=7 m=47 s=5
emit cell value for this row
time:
h=3 m=46 s=5
